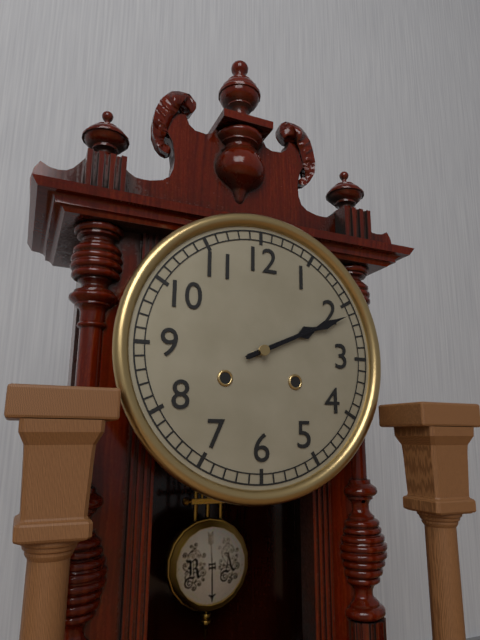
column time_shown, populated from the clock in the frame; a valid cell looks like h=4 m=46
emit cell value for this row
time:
h=2 m=11
